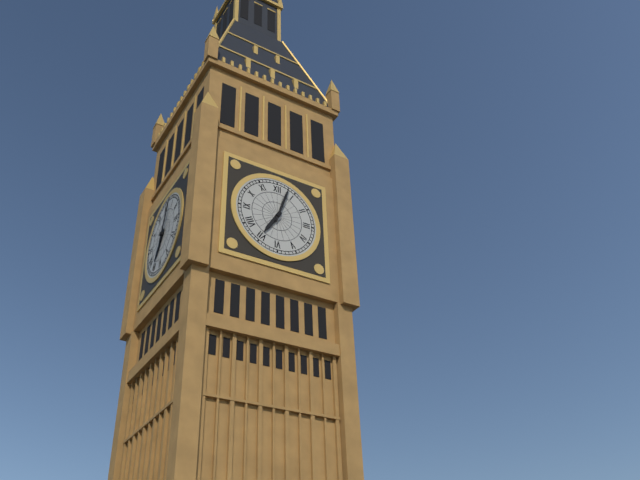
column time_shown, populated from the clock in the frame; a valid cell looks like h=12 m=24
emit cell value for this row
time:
h=7 m=3
